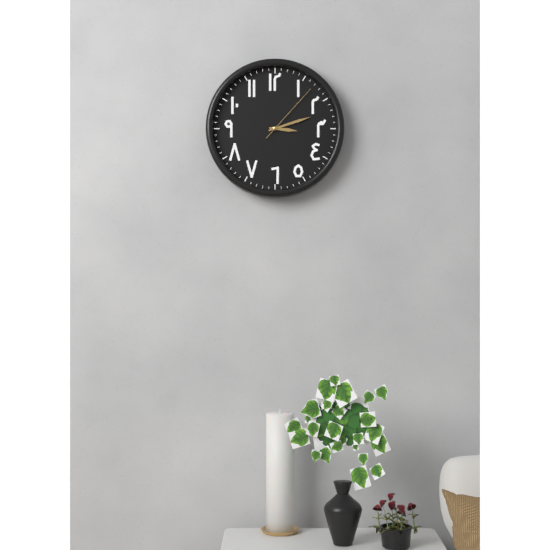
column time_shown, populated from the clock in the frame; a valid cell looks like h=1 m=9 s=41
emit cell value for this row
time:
h=3 m=12 s=7
